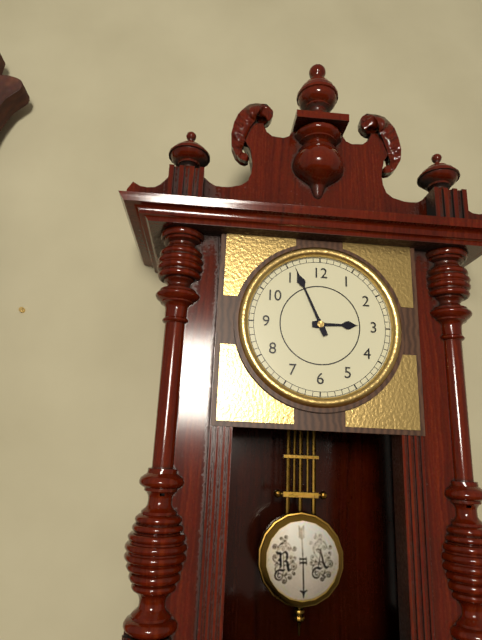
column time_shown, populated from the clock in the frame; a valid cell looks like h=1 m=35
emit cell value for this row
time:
h=2 m=56
